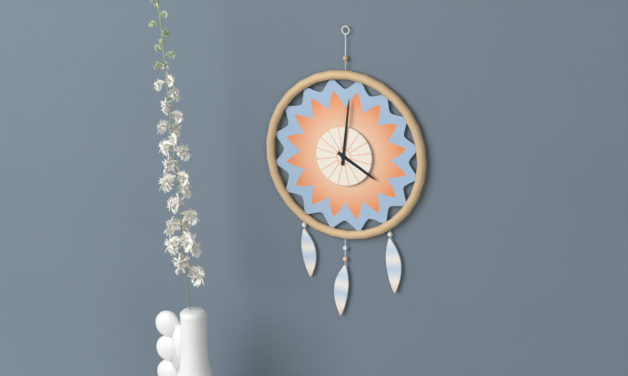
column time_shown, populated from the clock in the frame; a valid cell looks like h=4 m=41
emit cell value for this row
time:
h=4 m=1
